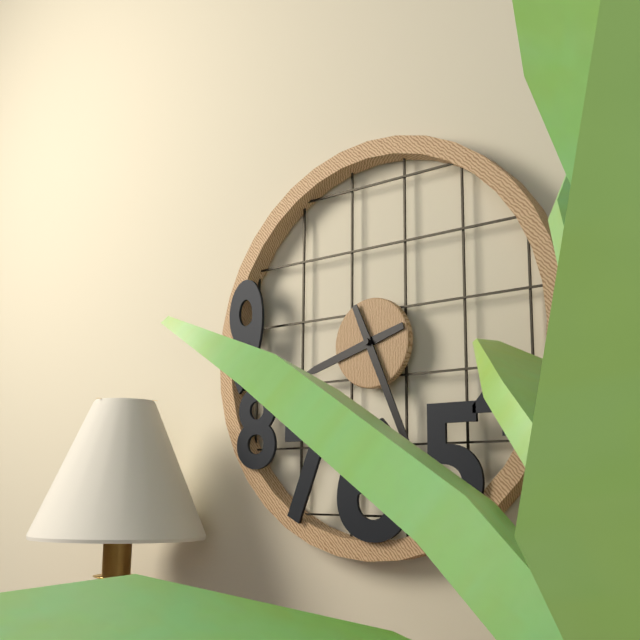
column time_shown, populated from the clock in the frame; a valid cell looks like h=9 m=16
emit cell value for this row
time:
h=8 m=26
